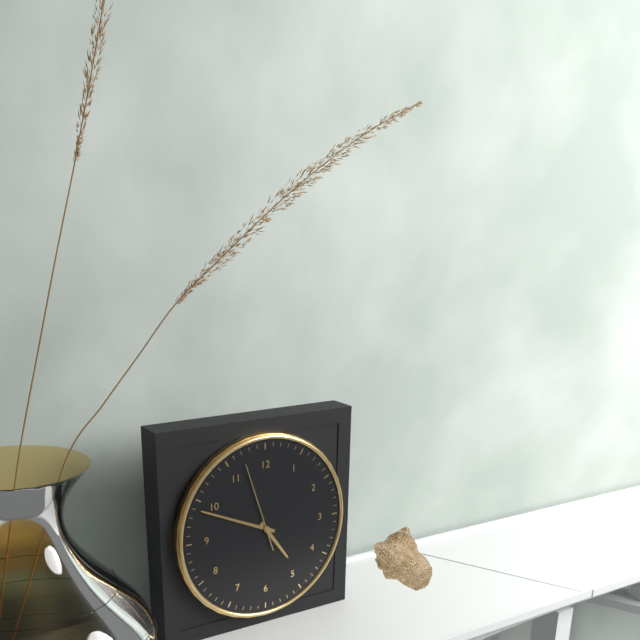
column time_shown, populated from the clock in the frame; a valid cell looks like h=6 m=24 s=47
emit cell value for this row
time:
h=4 m=49 s=57
